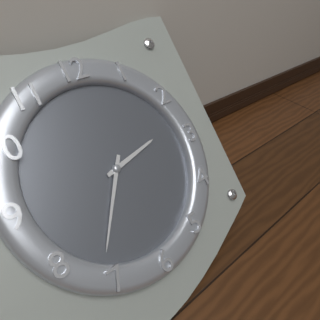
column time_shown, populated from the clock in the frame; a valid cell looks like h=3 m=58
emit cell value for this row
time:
h=2 m=36
